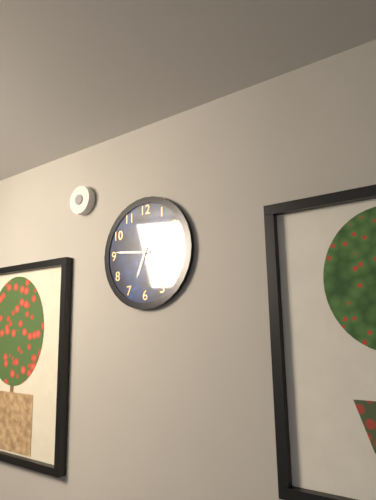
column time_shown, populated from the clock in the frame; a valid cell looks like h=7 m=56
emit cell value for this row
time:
h=6 m=46
